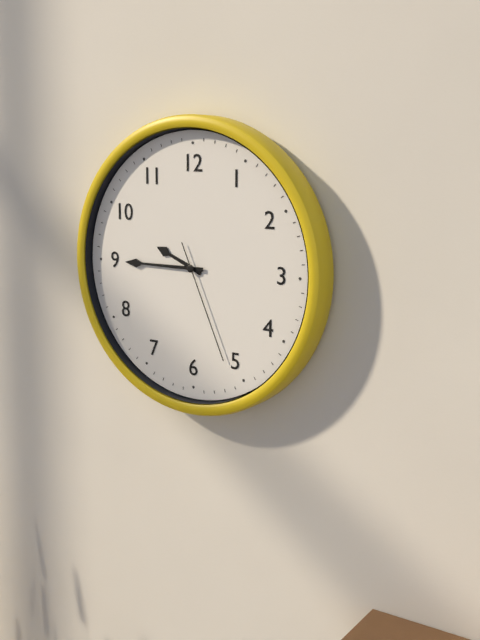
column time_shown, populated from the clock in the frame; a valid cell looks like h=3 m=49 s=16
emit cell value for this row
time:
h=9 m=45 s=26
